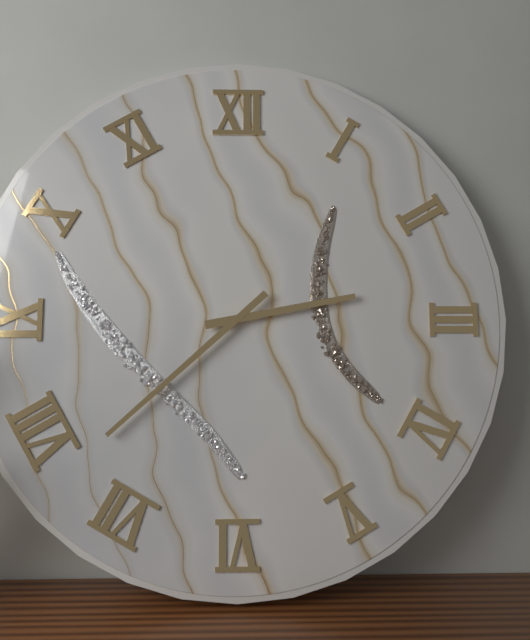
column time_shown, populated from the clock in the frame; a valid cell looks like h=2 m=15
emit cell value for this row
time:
h=2 m=38
